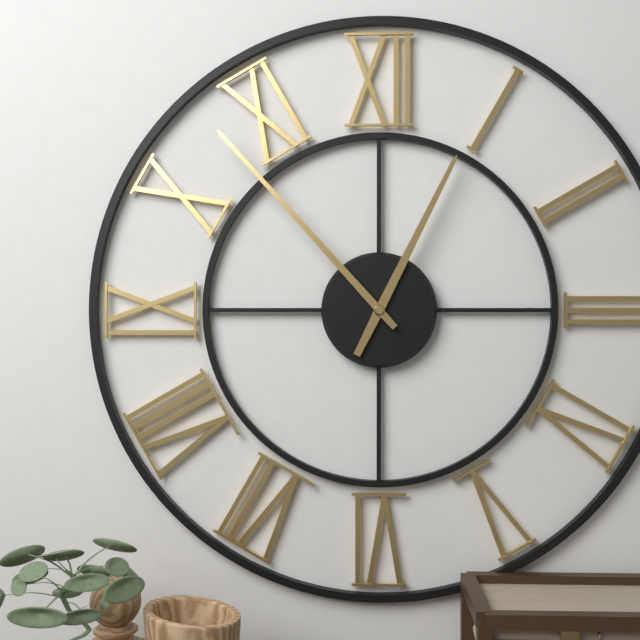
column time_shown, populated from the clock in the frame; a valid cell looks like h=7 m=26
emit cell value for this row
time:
h=12 m=53
